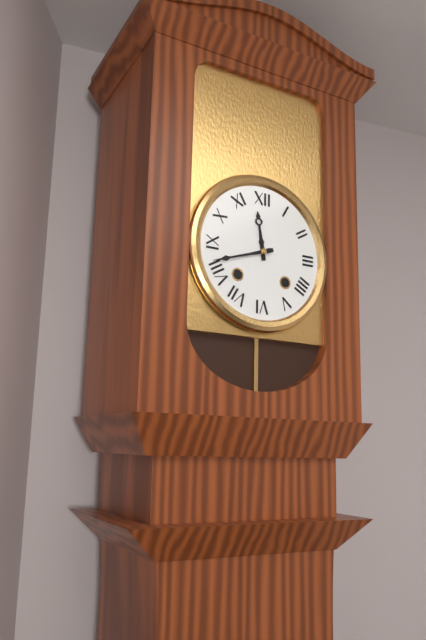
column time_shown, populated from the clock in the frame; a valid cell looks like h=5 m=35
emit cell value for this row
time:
h=11 m=42
